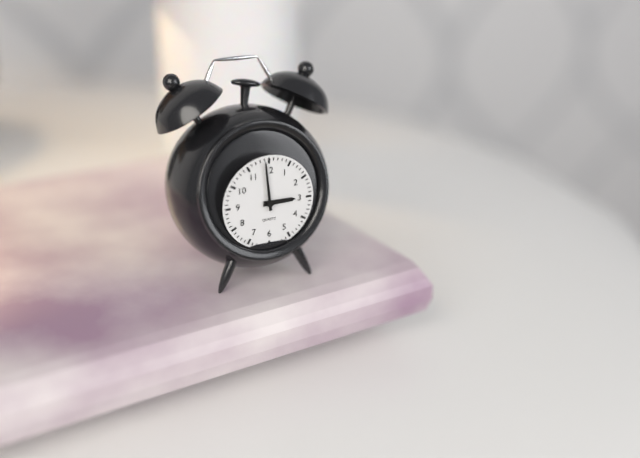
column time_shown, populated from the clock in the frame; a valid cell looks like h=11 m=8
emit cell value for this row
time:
h=2 m=59
